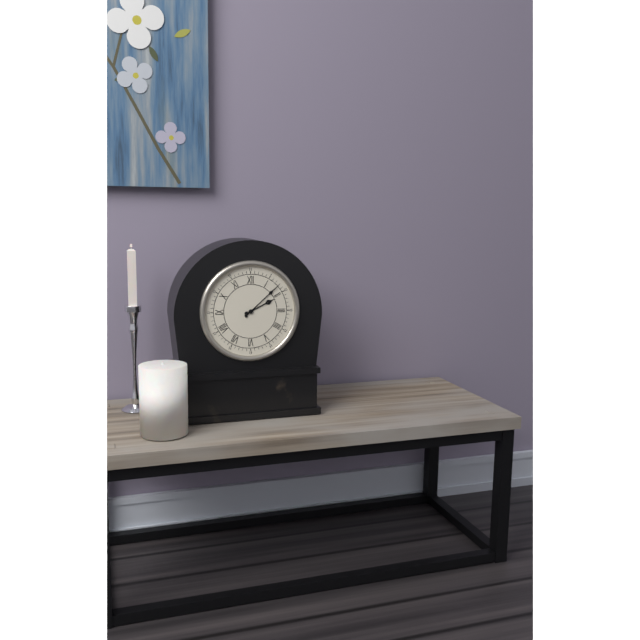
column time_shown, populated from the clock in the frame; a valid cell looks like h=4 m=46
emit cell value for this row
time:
h=2 m=8
